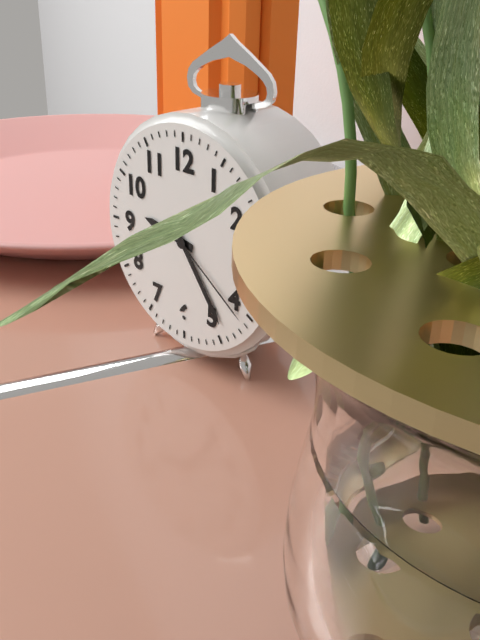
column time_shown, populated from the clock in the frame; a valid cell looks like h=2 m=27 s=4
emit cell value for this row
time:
h=9 m=24 s=21
